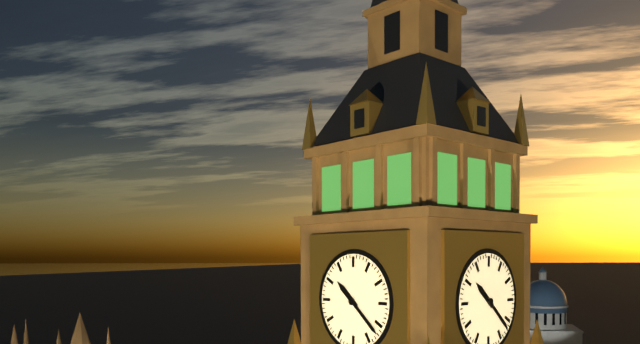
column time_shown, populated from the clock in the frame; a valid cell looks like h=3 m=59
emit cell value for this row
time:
h=10 m=22
